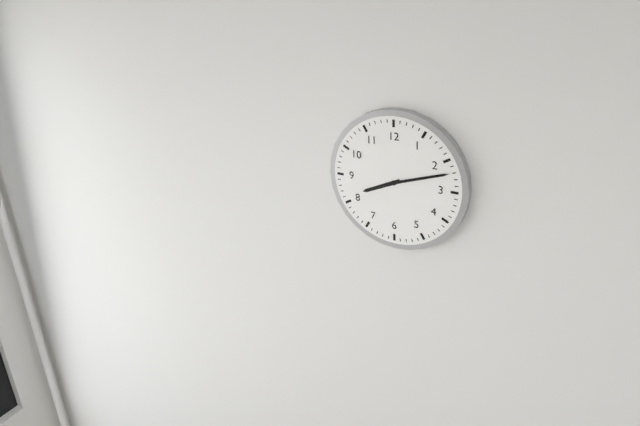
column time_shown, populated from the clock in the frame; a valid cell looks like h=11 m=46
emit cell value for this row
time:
h=8 m=12
